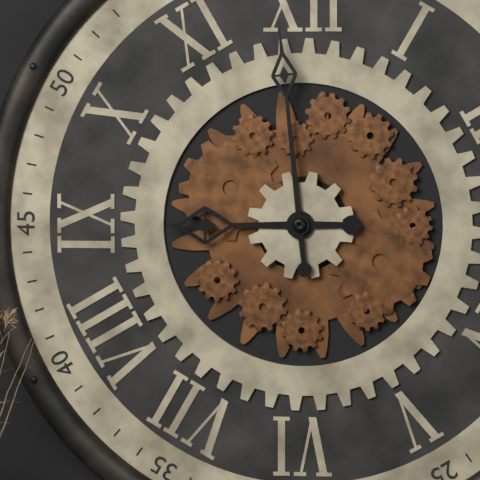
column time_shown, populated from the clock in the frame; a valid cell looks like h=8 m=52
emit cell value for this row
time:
h=8 m=59
